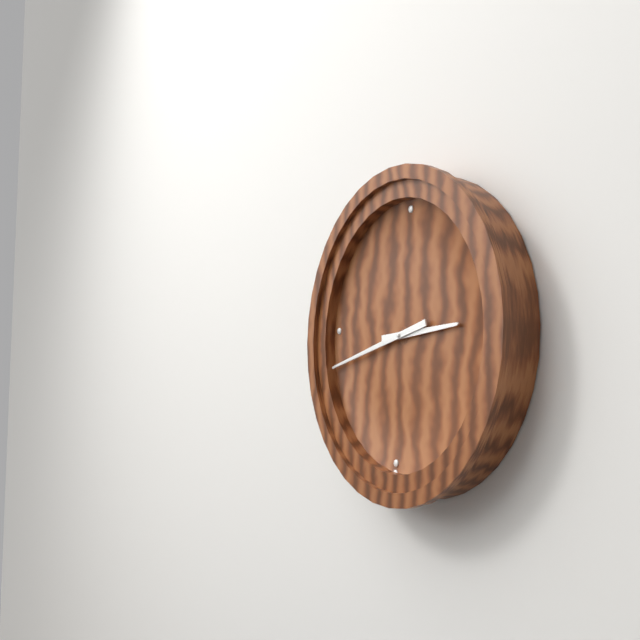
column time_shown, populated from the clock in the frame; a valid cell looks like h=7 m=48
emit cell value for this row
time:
h=2 m=42
